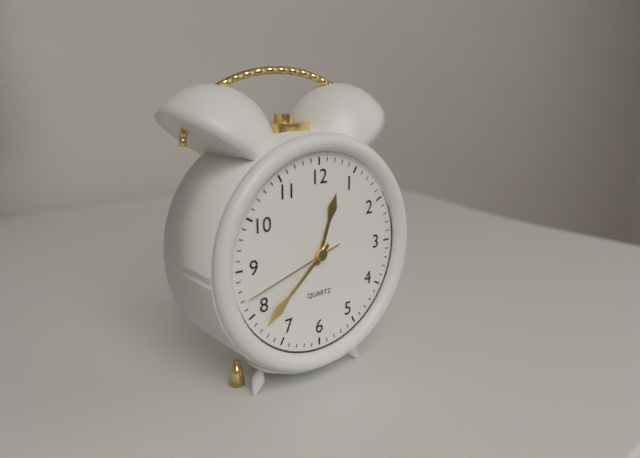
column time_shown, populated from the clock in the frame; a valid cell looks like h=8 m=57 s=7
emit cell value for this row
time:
h=12 m=38 s=42
